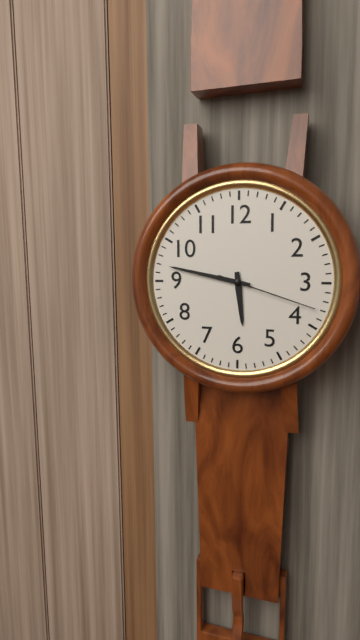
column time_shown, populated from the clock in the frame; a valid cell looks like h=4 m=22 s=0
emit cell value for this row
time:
h=5 m=47 s=18
